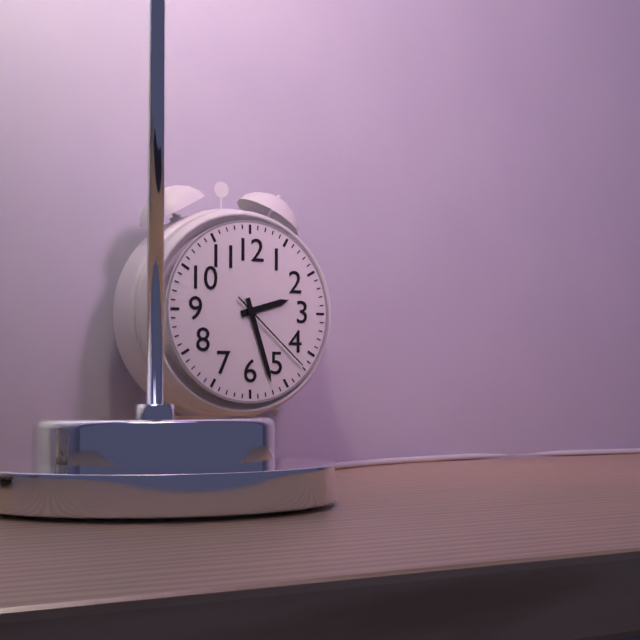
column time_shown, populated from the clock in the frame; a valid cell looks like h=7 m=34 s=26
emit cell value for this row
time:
h=2 m=27 s=22
